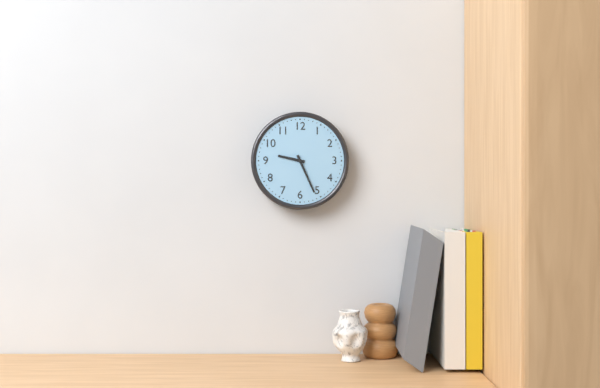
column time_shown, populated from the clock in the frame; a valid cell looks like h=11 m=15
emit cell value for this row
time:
h=9 m=26
